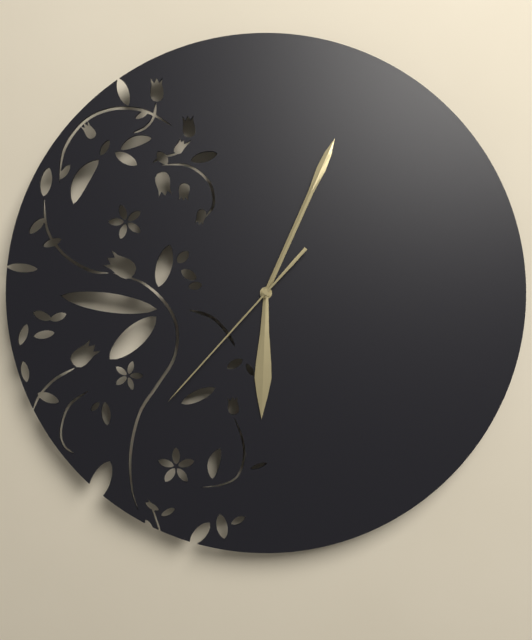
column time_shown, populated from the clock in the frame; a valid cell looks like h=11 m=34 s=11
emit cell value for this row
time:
h=6 m=4 s=37
